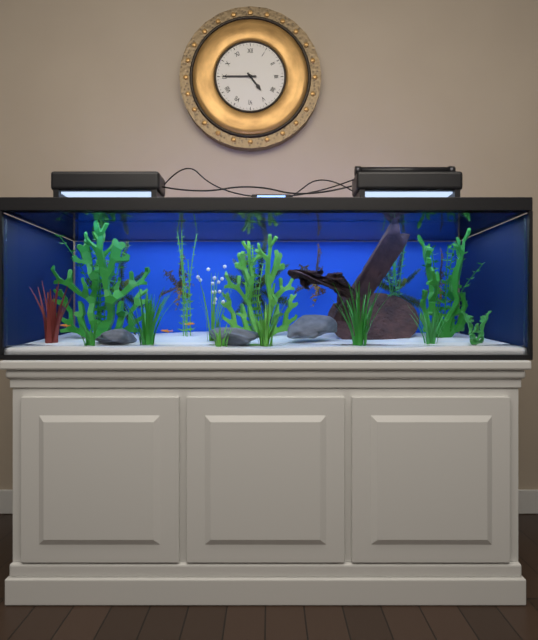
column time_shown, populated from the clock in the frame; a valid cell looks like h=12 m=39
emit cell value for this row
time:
h=4 m=45
